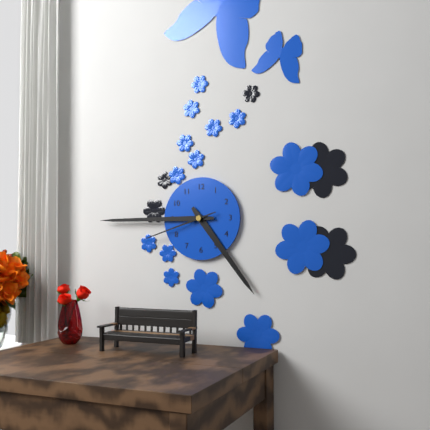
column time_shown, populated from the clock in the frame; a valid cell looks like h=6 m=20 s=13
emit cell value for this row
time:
h=4 m=45 s=42
